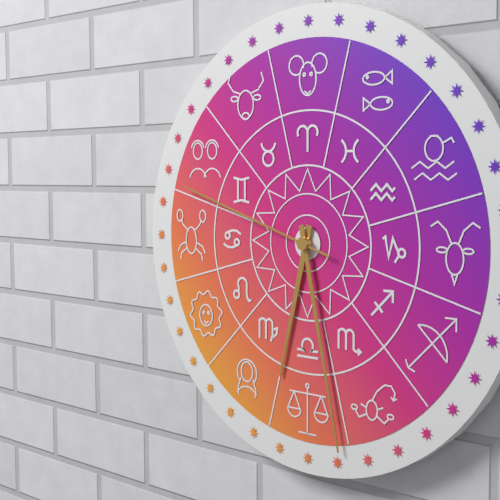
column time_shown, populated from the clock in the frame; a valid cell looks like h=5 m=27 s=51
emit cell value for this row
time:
h=6 m=28 s=48
